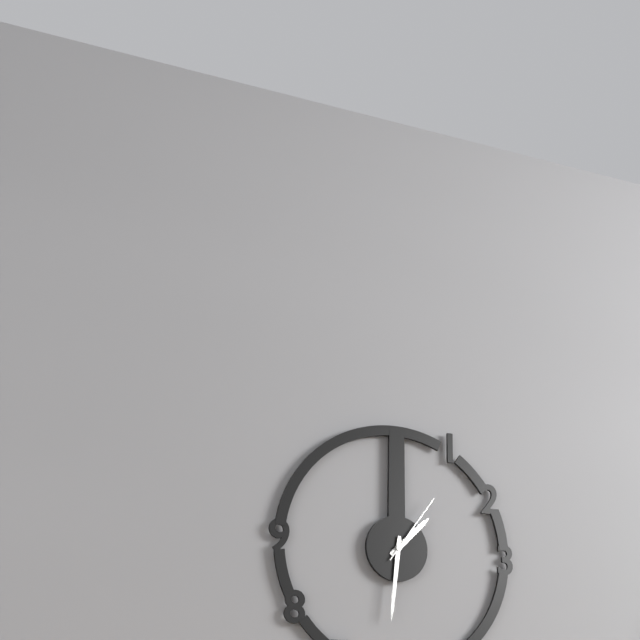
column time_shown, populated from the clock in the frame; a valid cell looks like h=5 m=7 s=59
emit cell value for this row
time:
h=1 m=31 s=6
